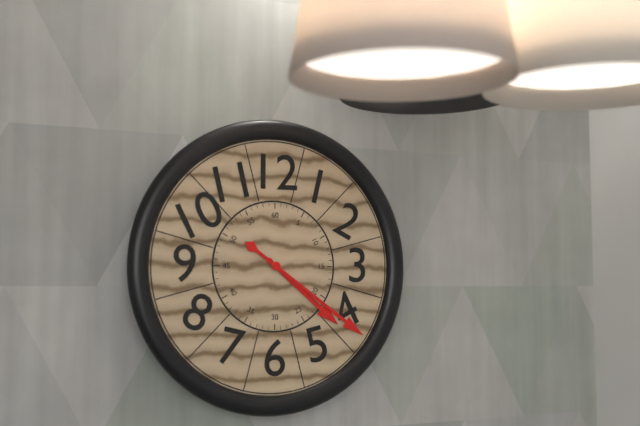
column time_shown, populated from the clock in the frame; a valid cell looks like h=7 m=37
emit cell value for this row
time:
h=4 m=21
